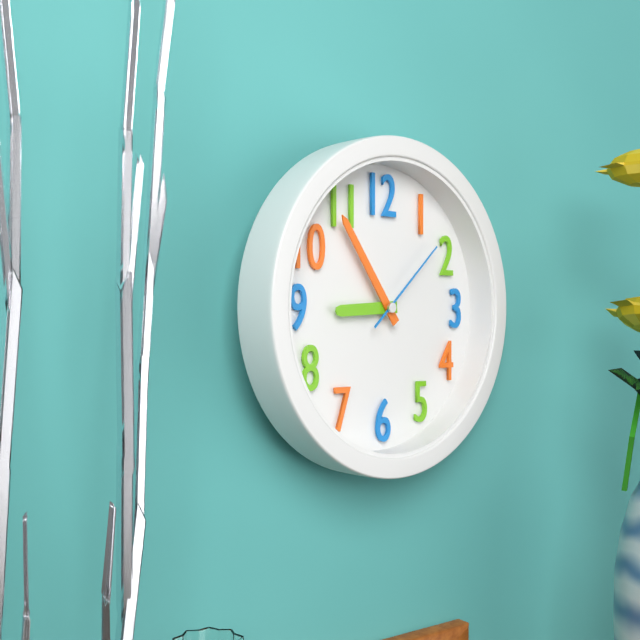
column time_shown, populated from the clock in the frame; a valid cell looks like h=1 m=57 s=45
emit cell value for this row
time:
h=8 m=54 s=8
